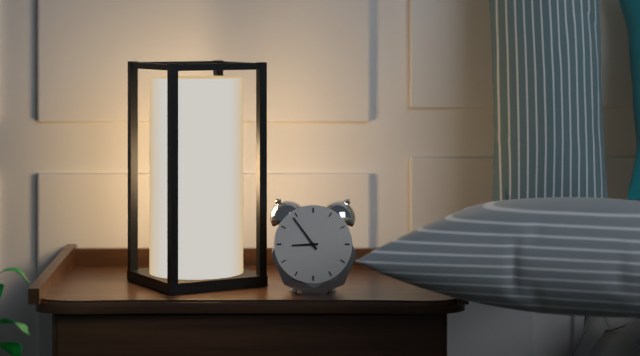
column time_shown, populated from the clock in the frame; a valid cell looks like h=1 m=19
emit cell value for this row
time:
h=8 m=54
